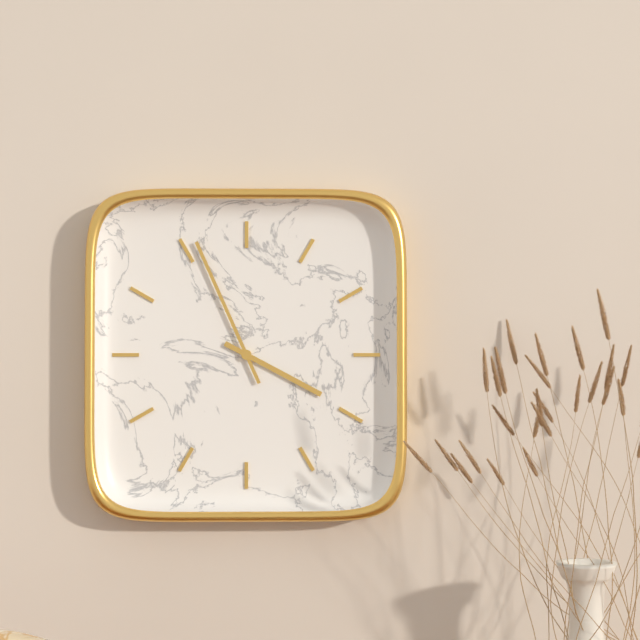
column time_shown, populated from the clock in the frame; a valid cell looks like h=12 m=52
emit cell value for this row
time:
h=3 m=56
